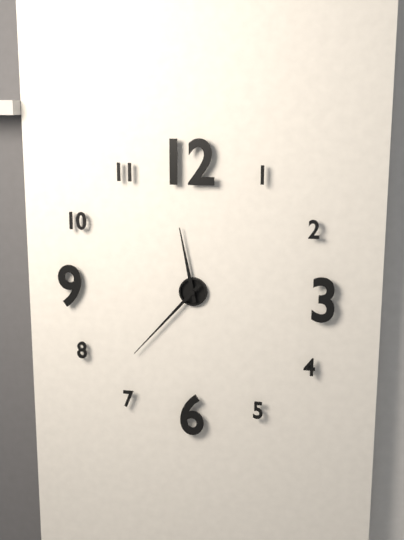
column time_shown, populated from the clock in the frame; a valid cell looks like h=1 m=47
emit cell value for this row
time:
h=11 m=37
